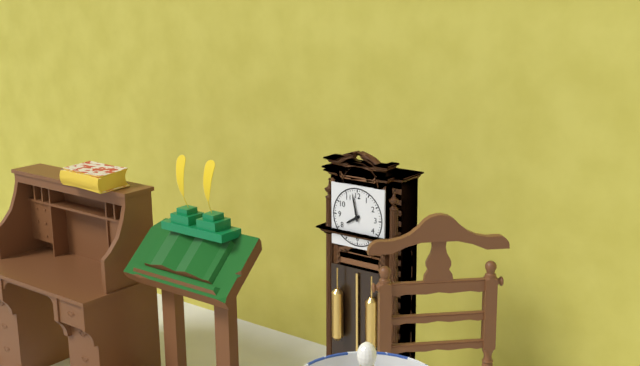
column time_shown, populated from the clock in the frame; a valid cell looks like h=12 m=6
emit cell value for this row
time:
h=7 m=58
